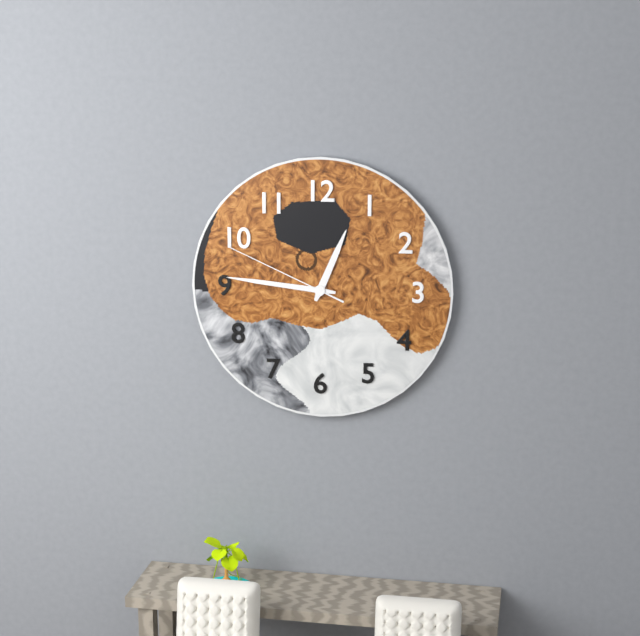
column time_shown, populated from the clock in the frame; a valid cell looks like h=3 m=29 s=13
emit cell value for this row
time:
h=12 m=46 s=49
